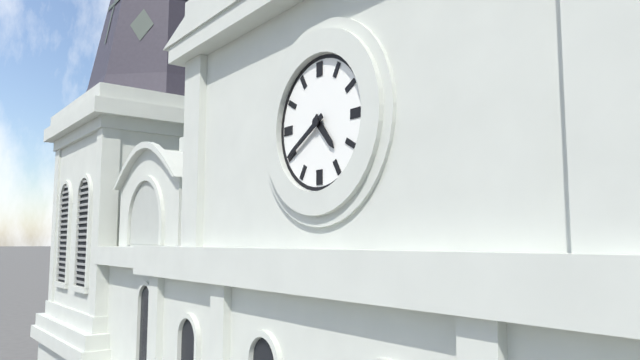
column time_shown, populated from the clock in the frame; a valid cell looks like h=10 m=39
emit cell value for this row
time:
h=4 m=40
